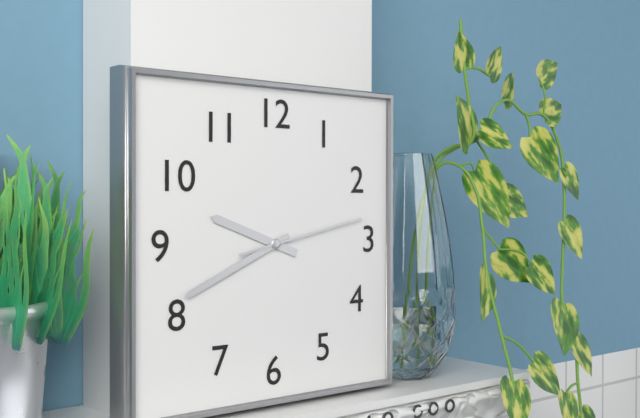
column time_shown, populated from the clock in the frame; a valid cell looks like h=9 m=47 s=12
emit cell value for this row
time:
h=9 m=41 s=13
